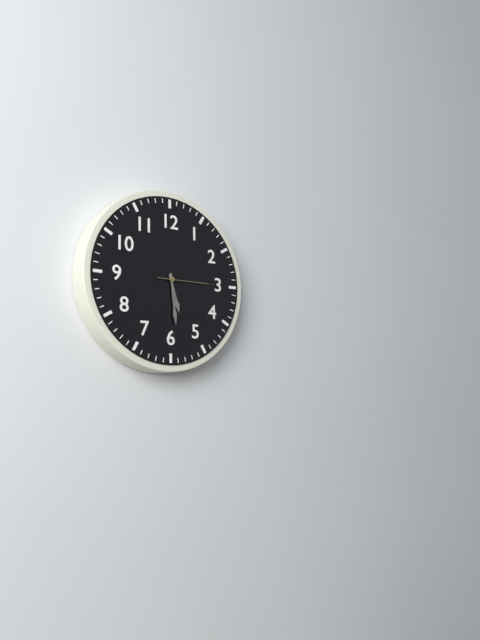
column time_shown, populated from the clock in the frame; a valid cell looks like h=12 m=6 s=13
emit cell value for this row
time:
h=5 m=29 s=15
